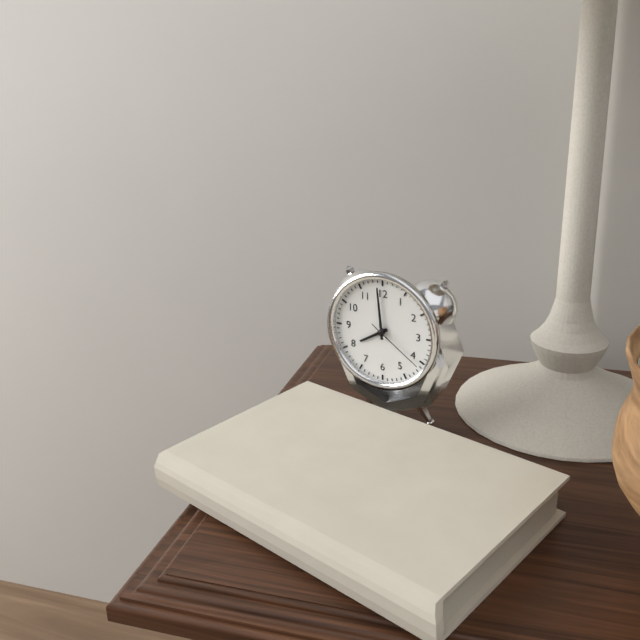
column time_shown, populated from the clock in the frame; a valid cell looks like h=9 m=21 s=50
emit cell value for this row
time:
h=7 m=59 s=21
